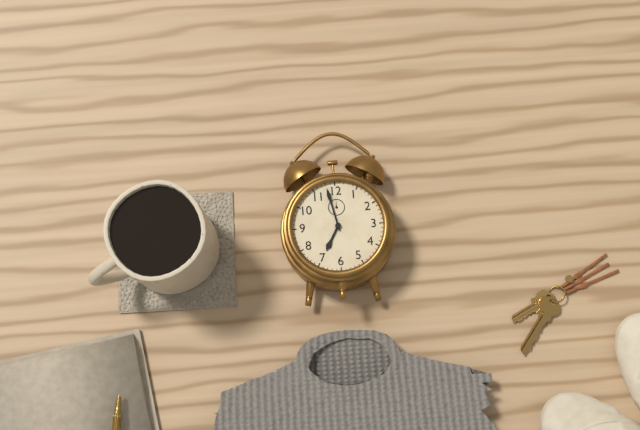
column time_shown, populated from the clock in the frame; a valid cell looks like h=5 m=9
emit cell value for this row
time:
h=6 m=58
